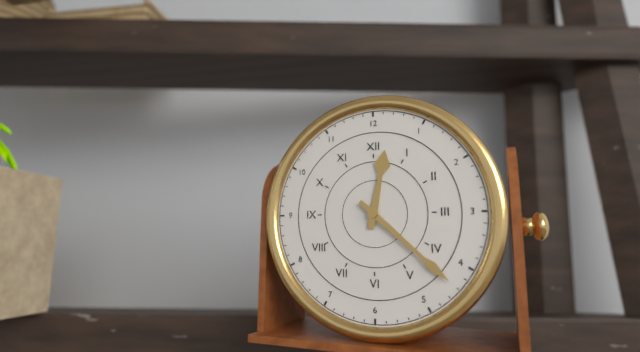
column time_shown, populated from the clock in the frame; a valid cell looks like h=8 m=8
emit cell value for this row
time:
h=12 m=22
